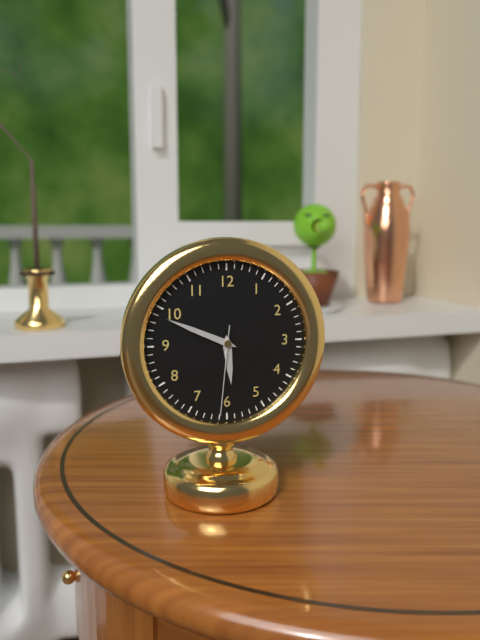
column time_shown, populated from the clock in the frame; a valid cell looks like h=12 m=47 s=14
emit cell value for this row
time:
h=5 m=49 s=31
